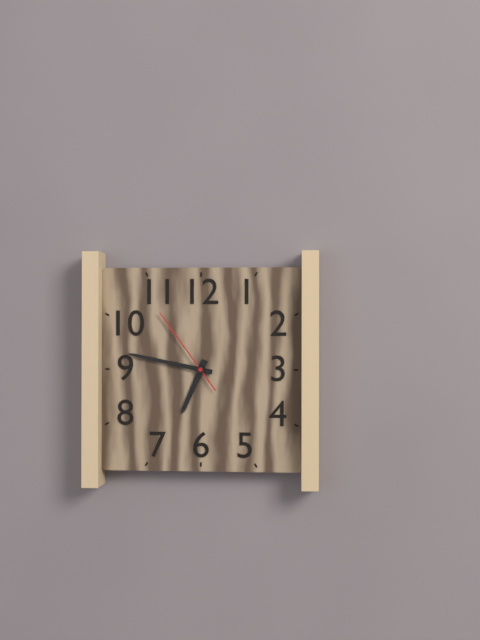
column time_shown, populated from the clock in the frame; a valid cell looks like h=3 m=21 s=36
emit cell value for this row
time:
h=6 m=47 s=54
